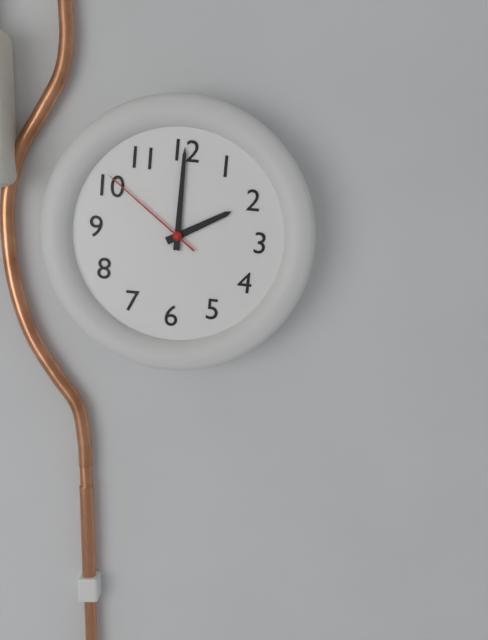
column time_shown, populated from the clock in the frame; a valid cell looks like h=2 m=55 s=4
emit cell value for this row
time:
h=2 m=0 s=51
